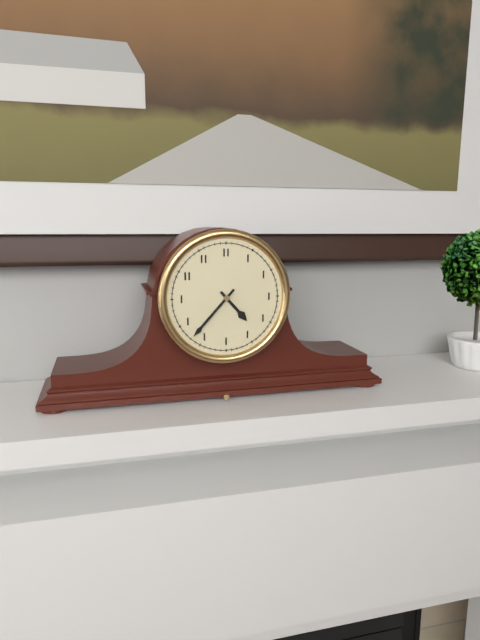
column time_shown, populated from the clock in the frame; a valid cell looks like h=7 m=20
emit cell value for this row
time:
h=4 m=37
